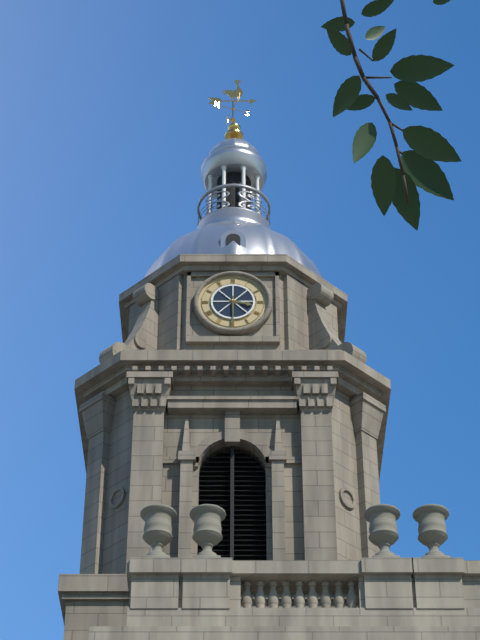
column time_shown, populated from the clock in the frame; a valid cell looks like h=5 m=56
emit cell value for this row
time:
h=3 m=30
